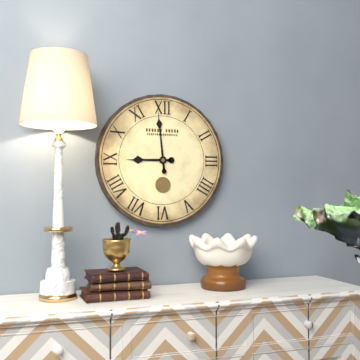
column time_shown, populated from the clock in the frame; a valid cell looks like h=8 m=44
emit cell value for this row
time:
h=8 m=59
